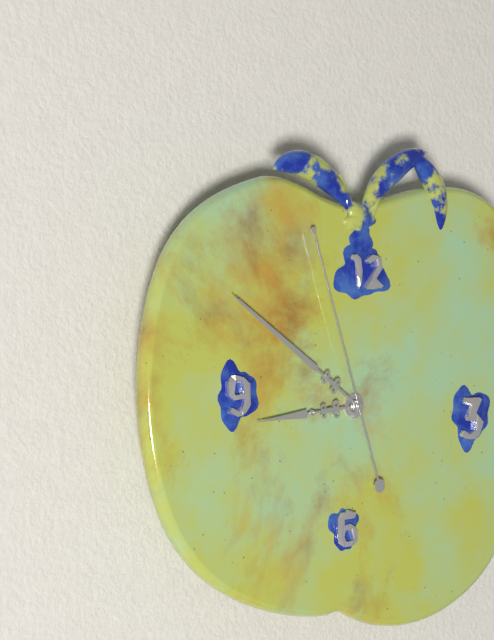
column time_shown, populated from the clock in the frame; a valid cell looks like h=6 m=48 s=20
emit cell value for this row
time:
h=8 m=51 s=57
